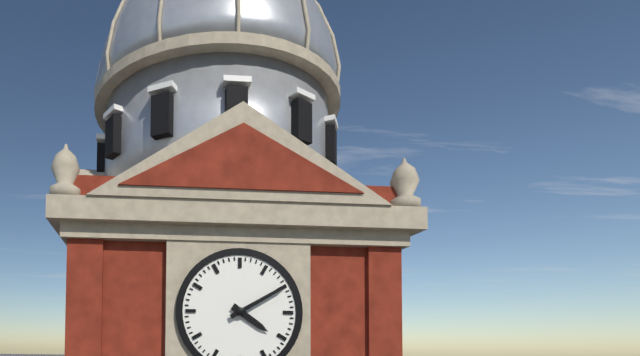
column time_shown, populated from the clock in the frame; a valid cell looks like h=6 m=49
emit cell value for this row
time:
h=4 m=10
